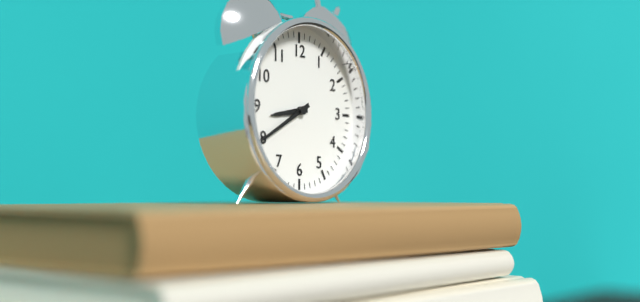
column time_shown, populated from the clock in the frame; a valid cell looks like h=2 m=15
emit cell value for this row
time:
h=8 m=40
